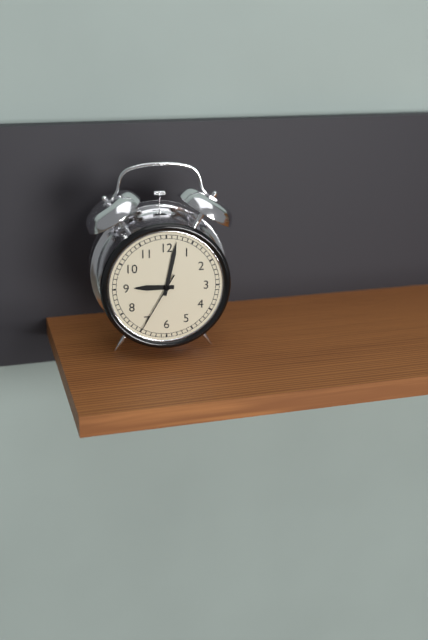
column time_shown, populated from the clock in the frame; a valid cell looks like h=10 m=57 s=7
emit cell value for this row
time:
h=9 m=2 s=35
